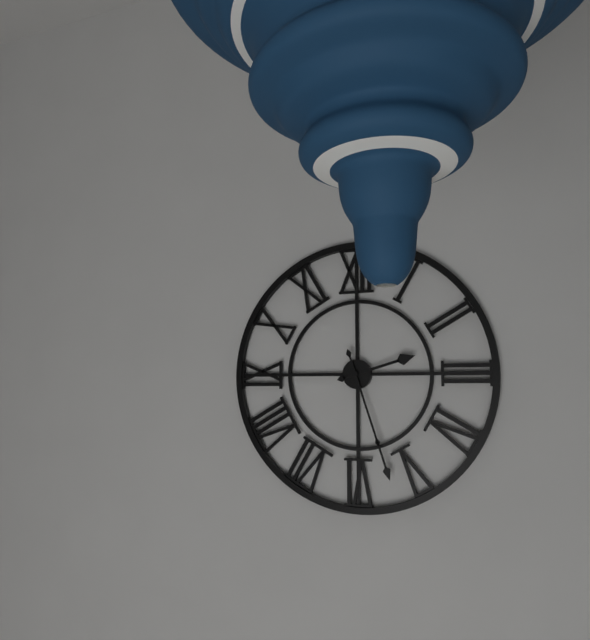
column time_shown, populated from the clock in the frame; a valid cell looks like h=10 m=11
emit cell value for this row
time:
h=2 m=27
